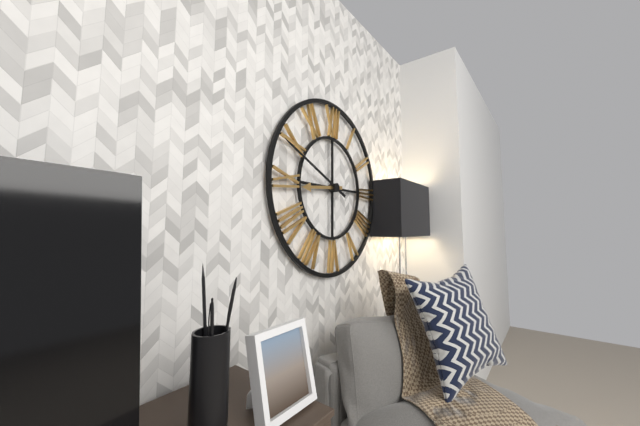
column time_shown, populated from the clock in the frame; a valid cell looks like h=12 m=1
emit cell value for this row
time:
h=8 m=49
